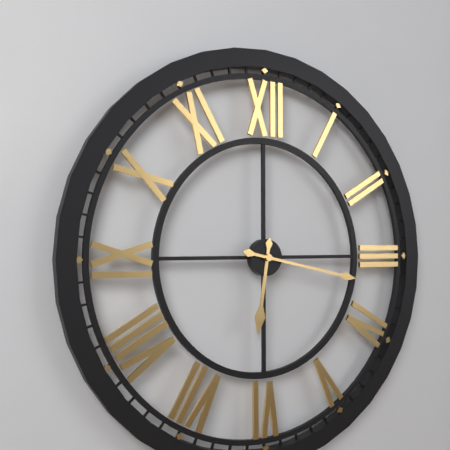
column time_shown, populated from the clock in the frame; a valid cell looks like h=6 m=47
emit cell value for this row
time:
h=6 m=17
